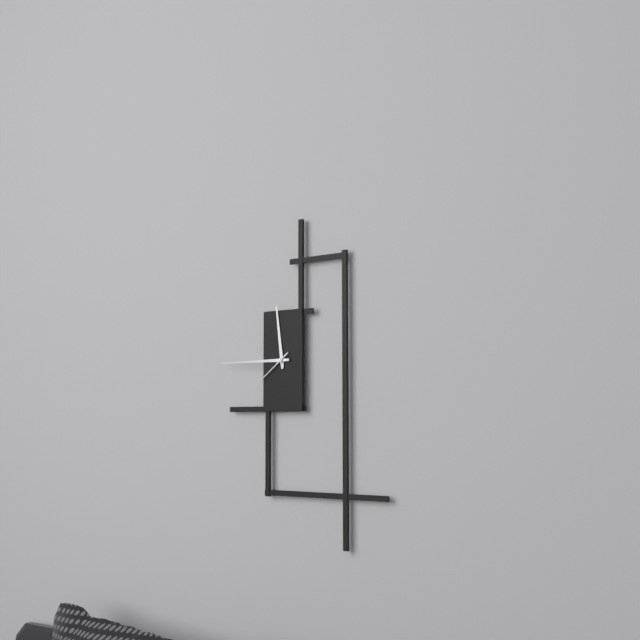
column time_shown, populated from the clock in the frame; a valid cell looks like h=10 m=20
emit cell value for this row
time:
h=11 m=45
